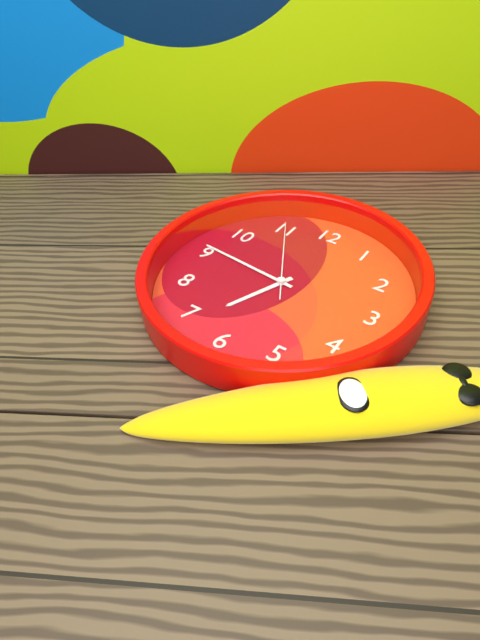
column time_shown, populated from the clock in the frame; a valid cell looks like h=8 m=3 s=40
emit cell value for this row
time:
h=6 m=46 s=55
